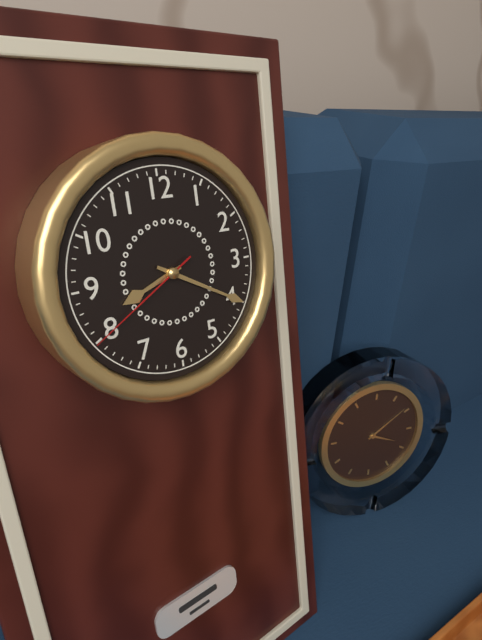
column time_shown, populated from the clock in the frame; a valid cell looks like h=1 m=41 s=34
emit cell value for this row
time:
h=8 m=20 s=40
